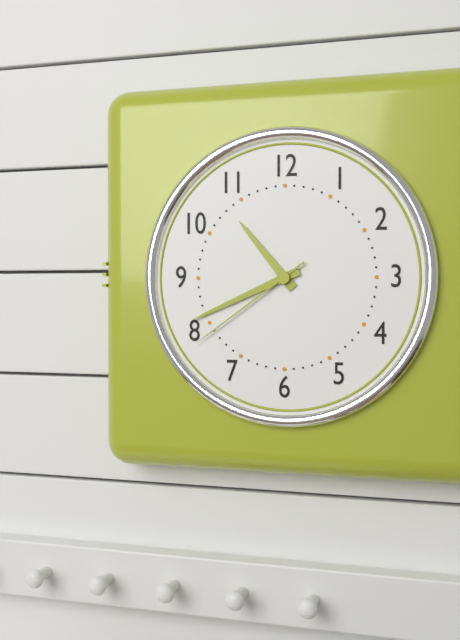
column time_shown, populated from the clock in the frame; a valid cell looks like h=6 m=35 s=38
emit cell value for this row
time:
h=10 m=41 s=39
